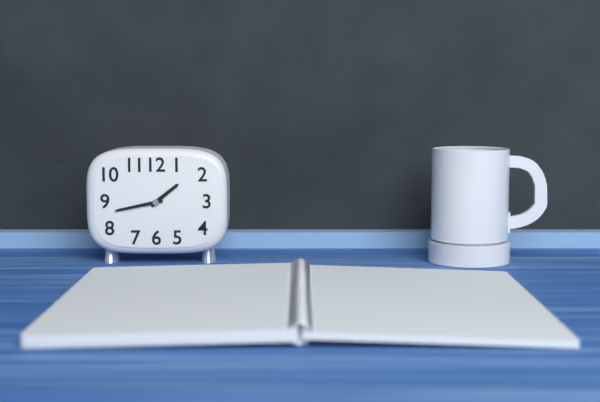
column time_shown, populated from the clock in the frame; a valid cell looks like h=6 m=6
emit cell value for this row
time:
h=1 m=43
